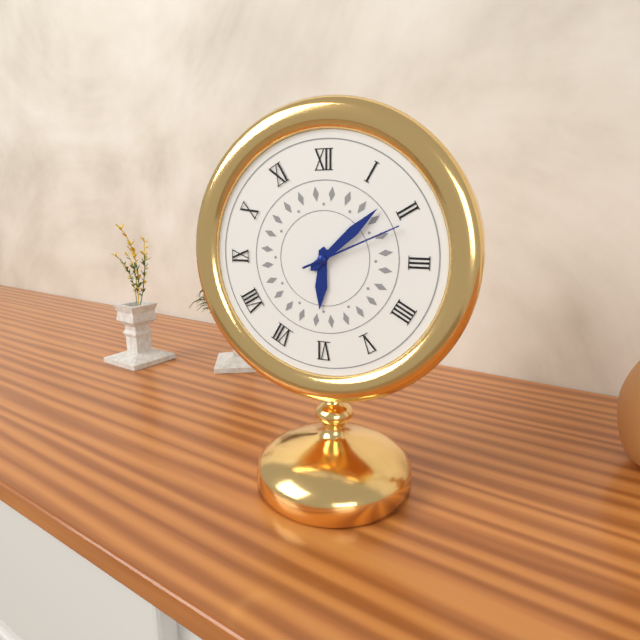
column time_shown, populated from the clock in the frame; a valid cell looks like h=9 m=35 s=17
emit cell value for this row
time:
h=6 m=8 s=11
